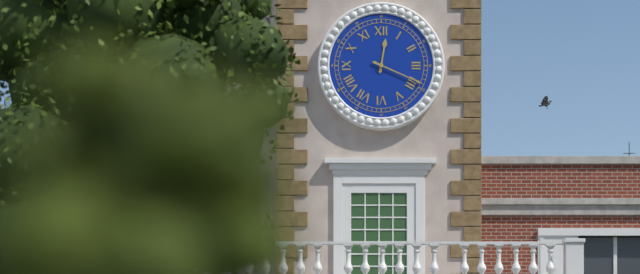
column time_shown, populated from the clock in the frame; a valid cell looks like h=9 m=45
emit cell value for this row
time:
h=12 m=19
